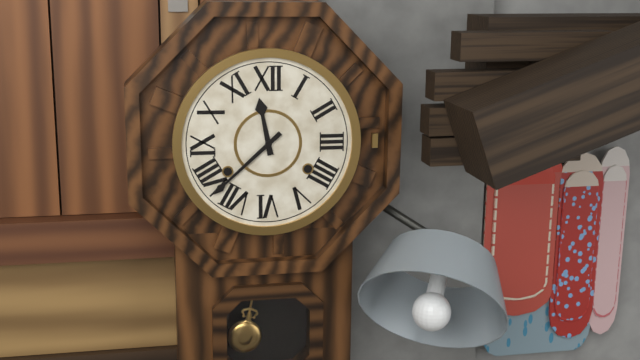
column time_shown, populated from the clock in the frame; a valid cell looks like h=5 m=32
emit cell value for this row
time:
h=11 m=38
